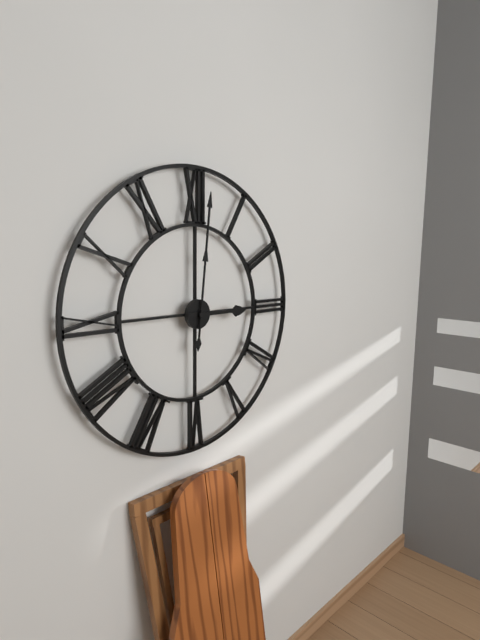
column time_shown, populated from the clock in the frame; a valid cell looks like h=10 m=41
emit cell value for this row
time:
h=3 m=1
